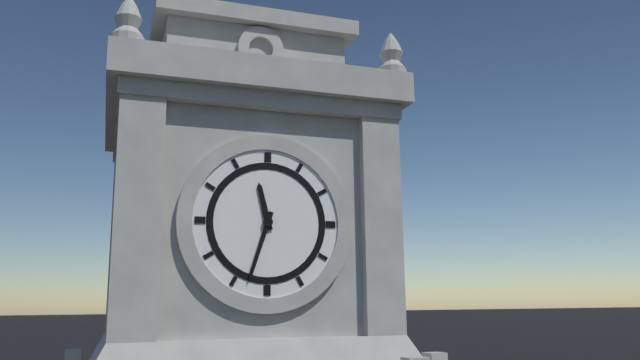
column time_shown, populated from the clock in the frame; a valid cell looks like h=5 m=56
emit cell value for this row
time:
h=11 m=33
